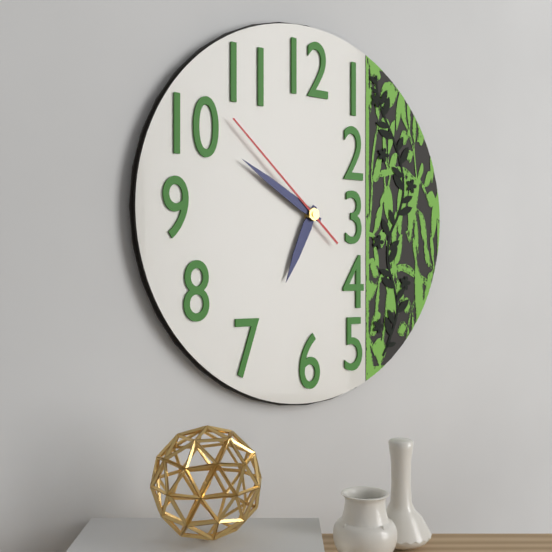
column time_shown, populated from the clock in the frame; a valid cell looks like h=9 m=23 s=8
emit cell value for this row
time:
h=6 m=50 s=52
